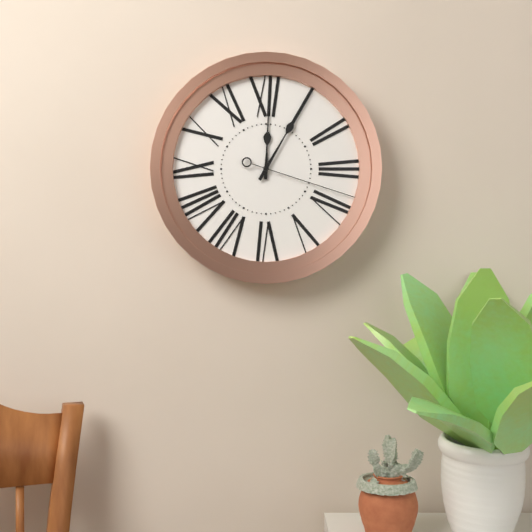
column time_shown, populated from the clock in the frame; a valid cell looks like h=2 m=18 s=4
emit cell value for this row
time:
h=12 m=5 s=18
